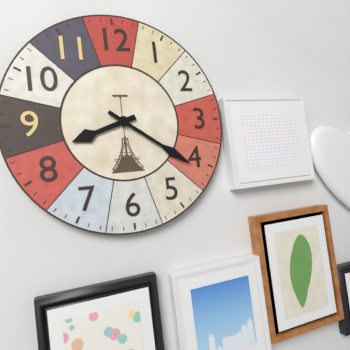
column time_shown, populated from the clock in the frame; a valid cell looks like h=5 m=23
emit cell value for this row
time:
h=8 m=21
